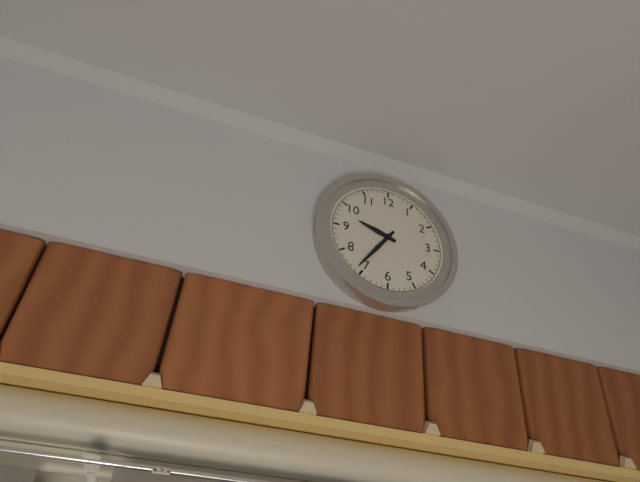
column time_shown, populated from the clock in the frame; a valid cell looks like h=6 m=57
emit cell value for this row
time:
h=9 m=36
